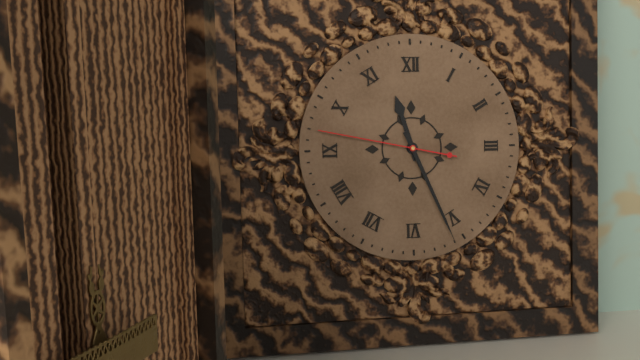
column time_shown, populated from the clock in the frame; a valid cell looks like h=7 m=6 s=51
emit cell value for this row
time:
h=11 m=26 s=47
